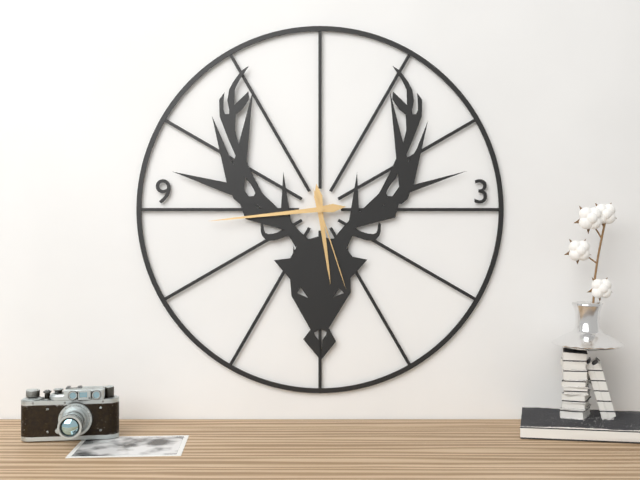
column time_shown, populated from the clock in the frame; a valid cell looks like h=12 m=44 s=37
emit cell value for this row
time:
h=5 m=44 s=27
